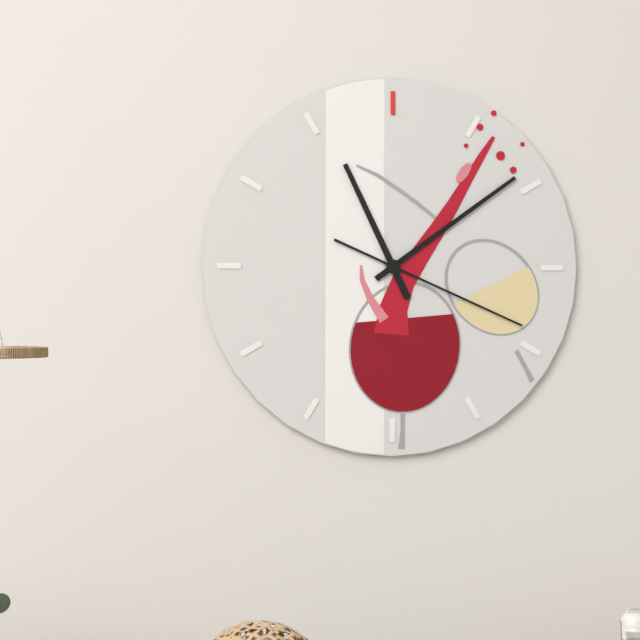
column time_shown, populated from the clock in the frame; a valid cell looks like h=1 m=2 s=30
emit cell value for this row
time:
h=11 m=9 s=19
